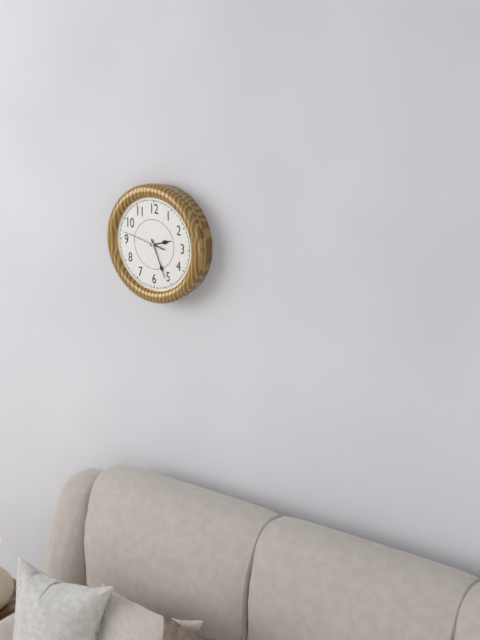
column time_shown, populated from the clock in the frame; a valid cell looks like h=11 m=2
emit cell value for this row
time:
h=2 m=26
